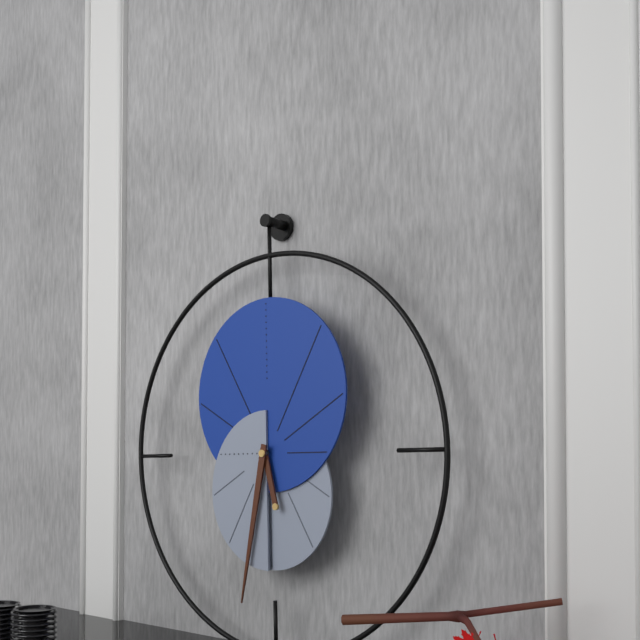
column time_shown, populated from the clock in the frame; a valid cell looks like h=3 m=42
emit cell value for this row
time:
h=5 m=32
